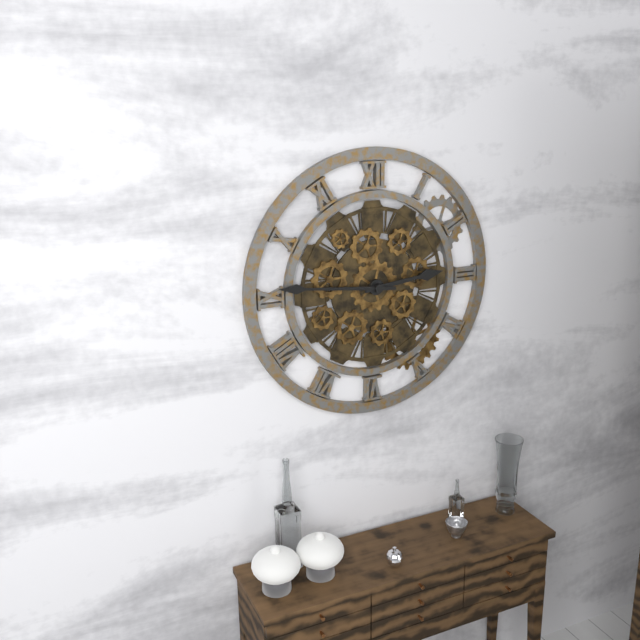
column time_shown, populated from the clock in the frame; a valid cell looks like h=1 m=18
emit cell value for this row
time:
h=2 m=46
